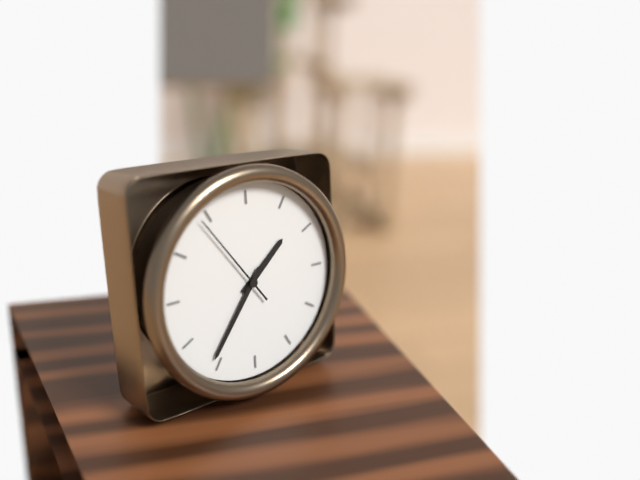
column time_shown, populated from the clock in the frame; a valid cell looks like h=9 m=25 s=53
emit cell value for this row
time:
h=1 m=36 s=54
